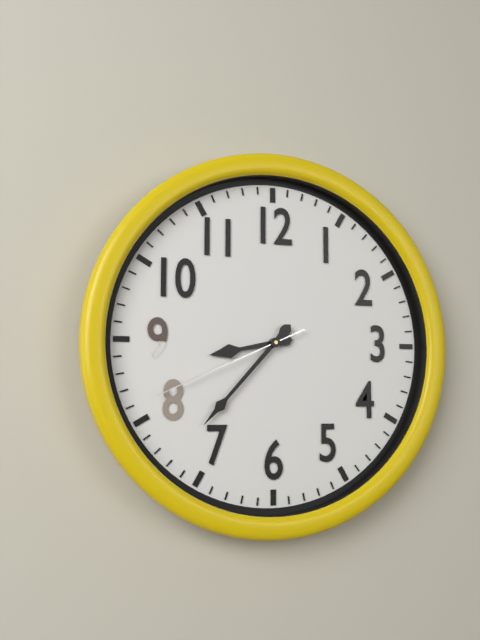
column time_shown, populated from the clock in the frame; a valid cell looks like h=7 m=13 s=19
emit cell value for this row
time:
h=8 m=37 s=41
